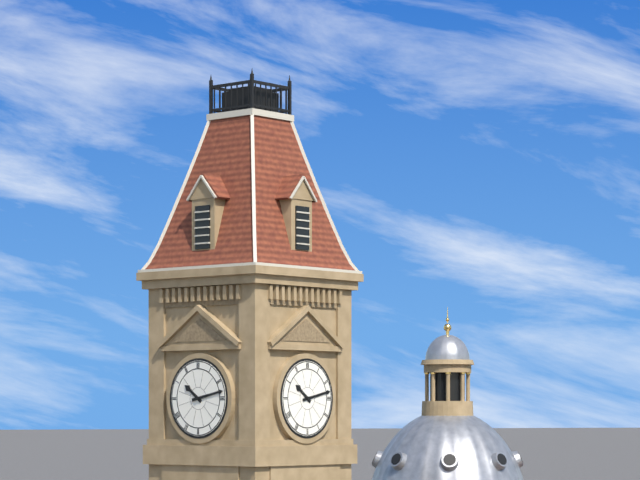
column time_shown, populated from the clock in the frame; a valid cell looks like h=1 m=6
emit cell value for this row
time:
h=10 m=13
